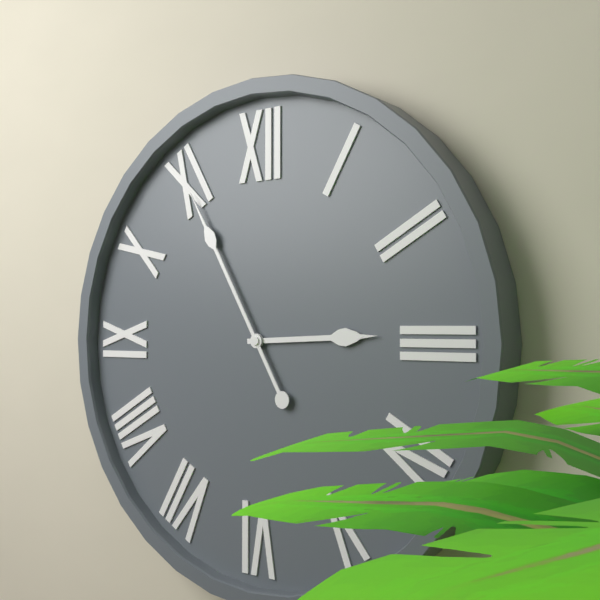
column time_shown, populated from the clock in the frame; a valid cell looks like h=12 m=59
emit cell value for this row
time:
h=2 m=55
